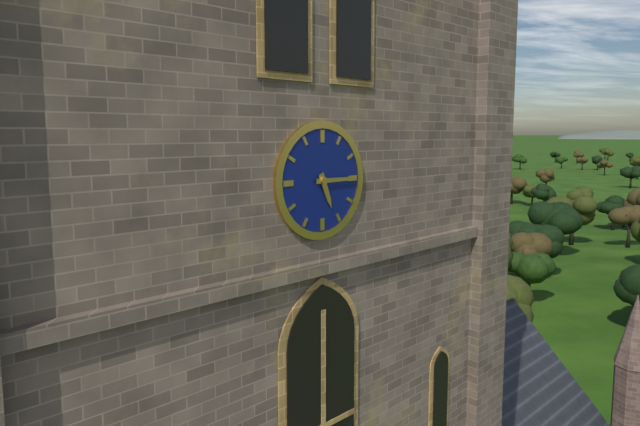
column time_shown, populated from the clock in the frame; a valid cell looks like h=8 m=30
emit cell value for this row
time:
h=5 m=15
